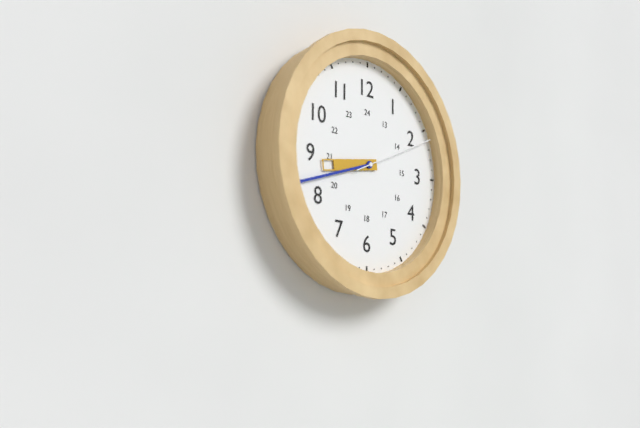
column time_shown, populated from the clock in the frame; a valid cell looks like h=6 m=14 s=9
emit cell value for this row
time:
h=8 m=42 s=11
